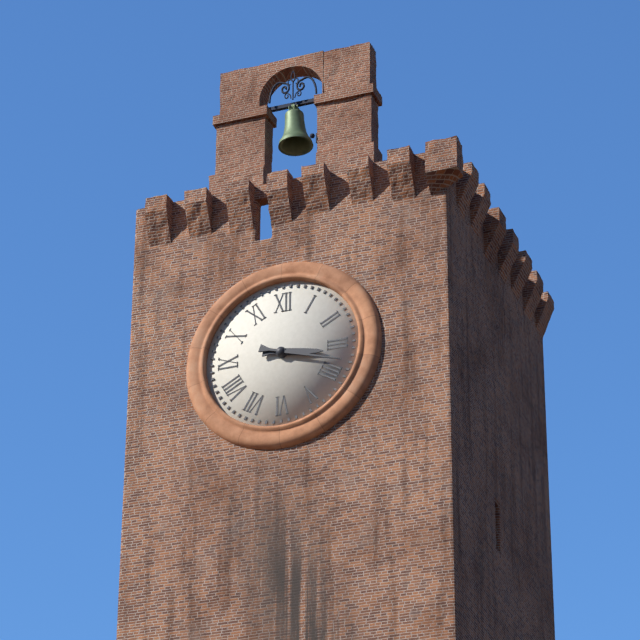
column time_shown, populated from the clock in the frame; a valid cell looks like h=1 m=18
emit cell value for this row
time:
h=3 m=18
